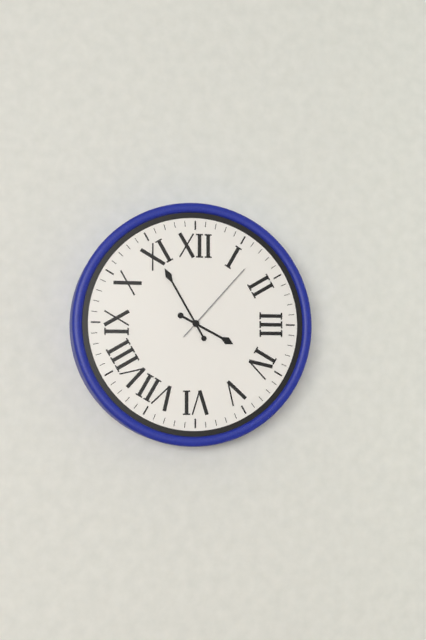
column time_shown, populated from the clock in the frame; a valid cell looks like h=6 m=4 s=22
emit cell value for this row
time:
h=3 m=55 s=7
